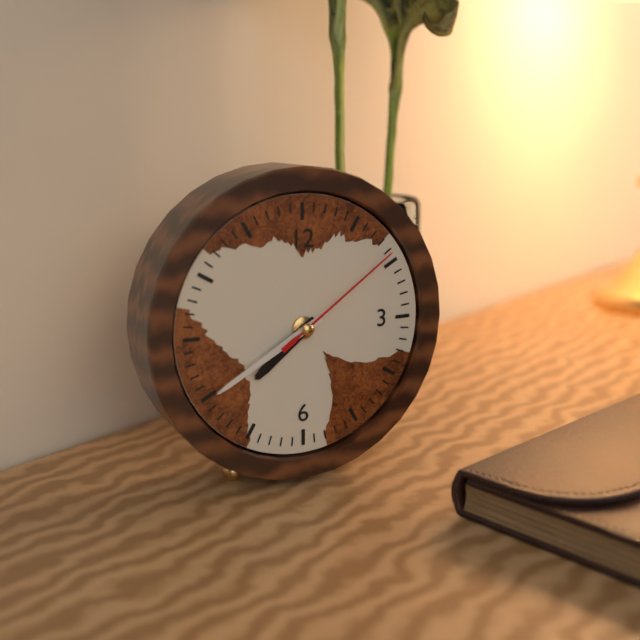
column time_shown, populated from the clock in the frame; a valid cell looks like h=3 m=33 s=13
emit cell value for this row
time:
h=7 m=40 s=9
